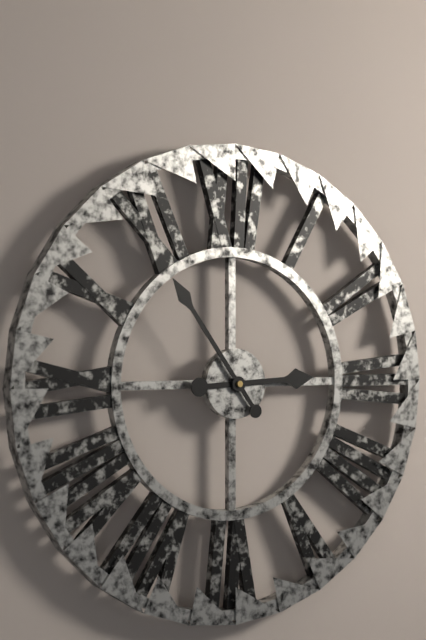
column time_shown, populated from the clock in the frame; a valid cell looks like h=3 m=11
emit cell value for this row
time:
h=2 m=54
